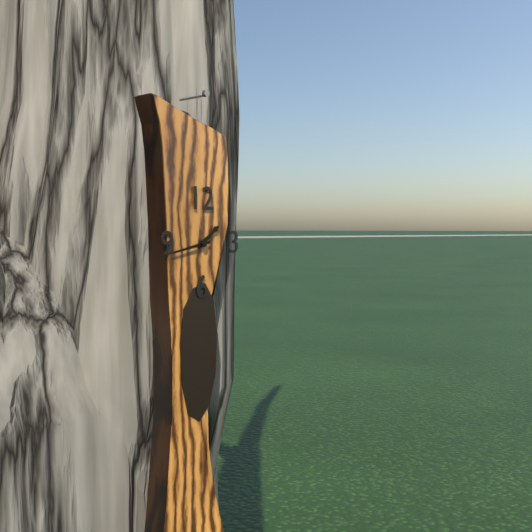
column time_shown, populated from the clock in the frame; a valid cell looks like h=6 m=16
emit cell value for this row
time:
h=1 m=43
